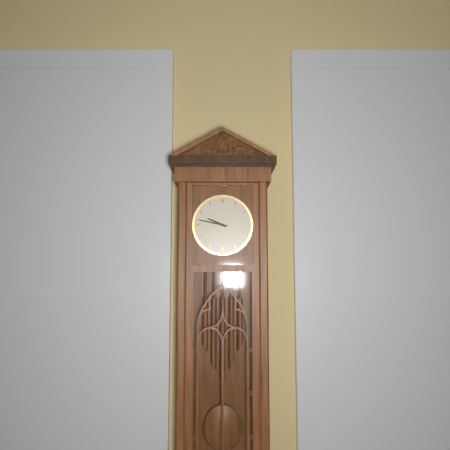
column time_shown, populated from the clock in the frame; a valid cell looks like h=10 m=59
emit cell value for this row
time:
h=9 m=47
